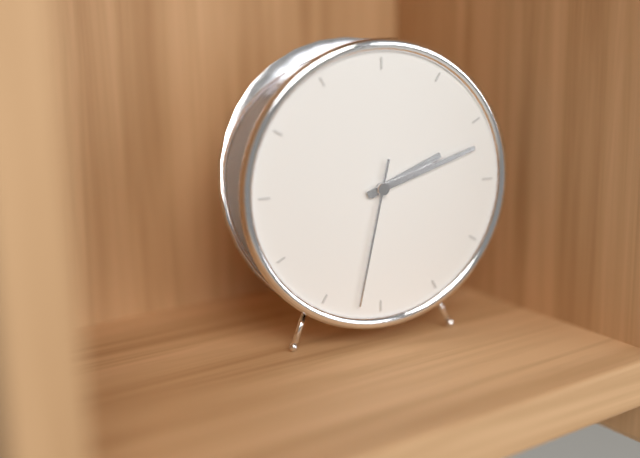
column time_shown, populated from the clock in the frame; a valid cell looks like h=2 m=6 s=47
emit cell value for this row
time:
h=2 m=12 s=32
